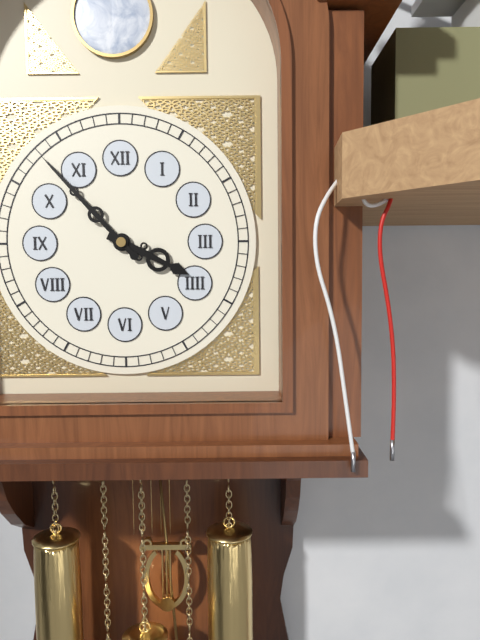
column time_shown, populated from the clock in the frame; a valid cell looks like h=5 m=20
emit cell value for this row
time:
h=3 m=53
